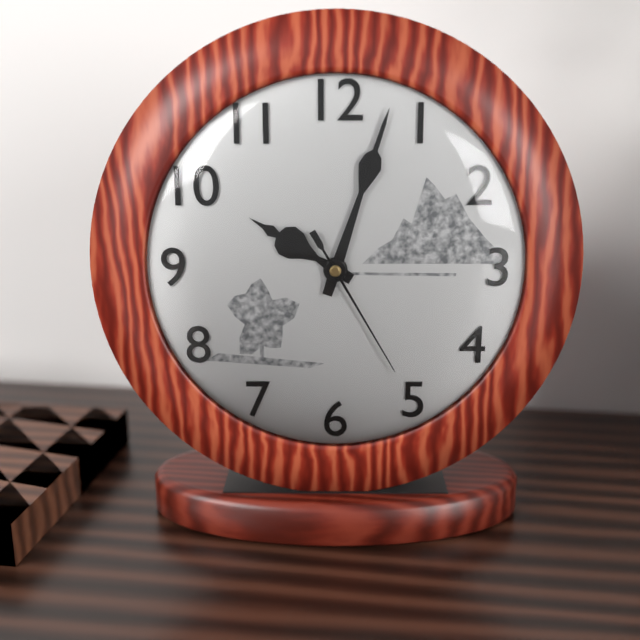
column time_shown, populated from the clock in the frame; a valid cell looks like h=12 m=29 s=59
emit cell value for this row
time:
h=10 m=3 s=25
